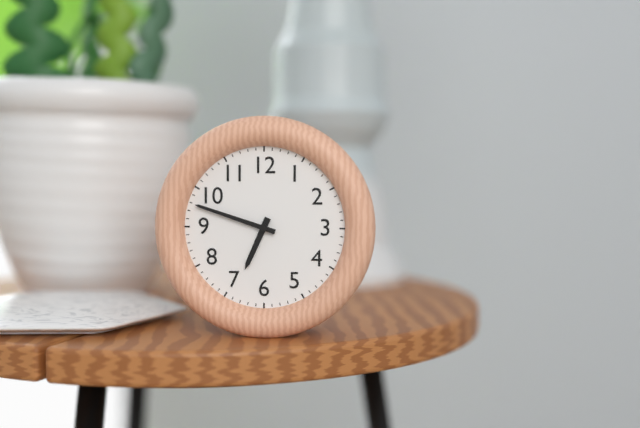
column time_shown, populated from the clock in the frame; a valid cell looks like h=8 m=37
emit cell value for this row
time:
h=6 m=48
